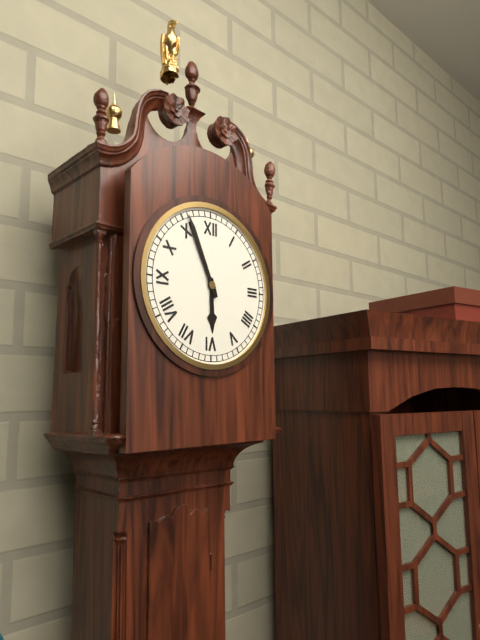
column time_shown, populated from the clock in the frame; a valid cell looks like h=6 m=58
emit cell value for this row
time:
h=5 m=56
